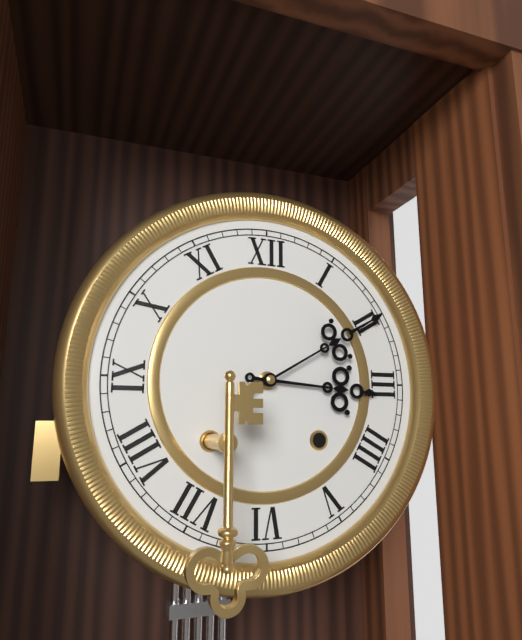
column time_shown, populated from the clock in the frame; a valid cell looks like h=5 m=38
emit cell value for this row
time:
h=3 m=10
